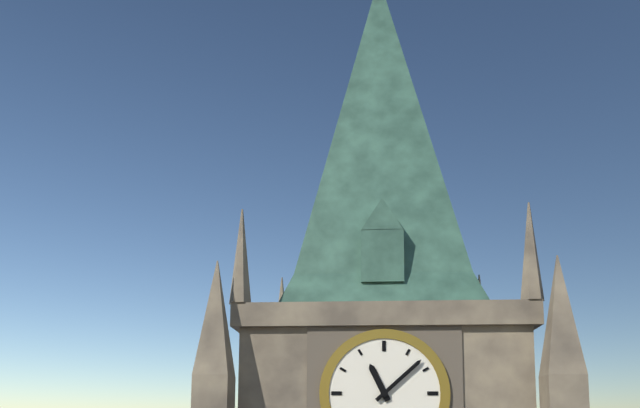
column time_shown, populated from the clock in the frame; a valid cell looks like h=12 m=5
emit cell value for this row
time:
h=11 m=8
